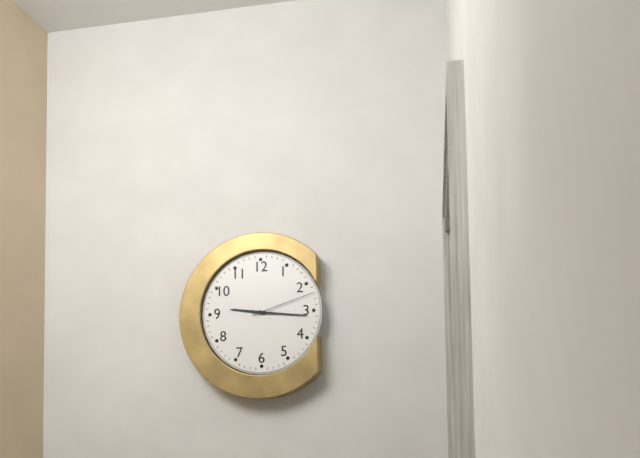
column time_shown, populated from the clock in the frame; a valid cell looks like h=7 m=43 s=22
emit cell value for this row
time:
h=9 m=16 s=12
